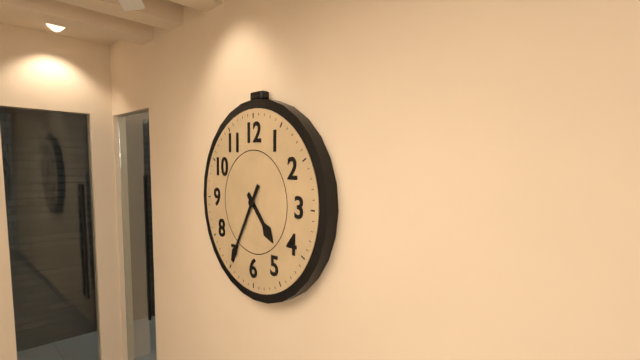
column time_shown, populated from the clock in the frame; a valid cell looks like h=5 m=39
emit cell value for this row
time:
h=4 m=35
